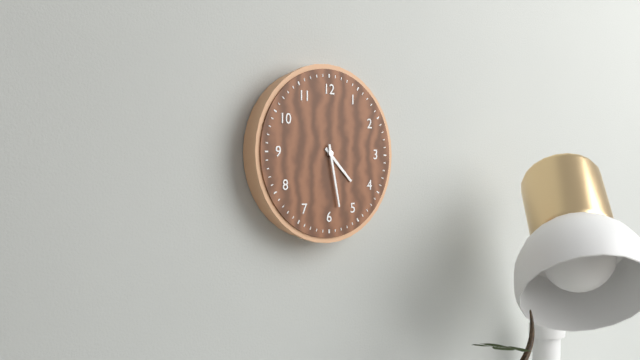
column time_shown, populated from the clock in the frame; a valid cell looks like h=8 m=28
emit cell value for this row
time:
h=4 m=28
